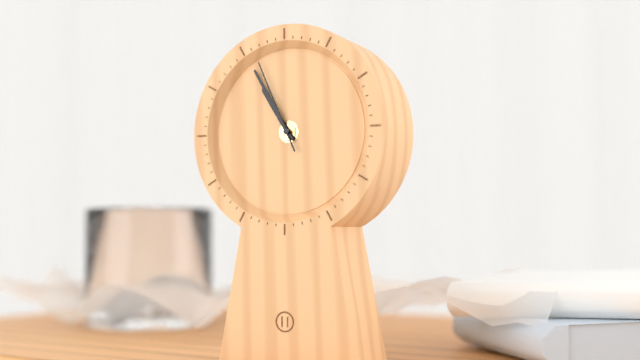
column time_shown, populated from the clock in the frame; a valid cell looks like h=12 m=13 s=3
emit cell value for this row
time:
h=10 m=55 s=56
